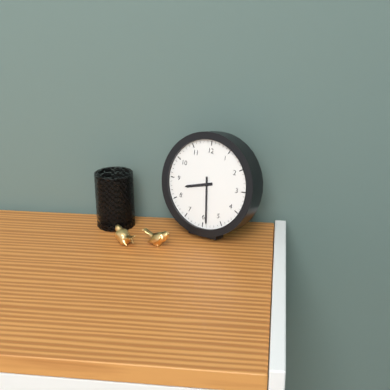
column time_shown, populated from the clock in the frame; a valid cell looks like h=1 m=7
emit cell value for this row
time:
h=8 m=29
